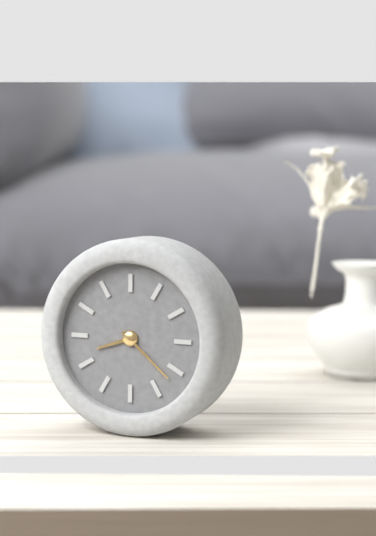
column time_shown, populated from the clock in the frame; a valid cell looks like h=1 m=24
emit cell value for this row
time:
h=8 m=22
